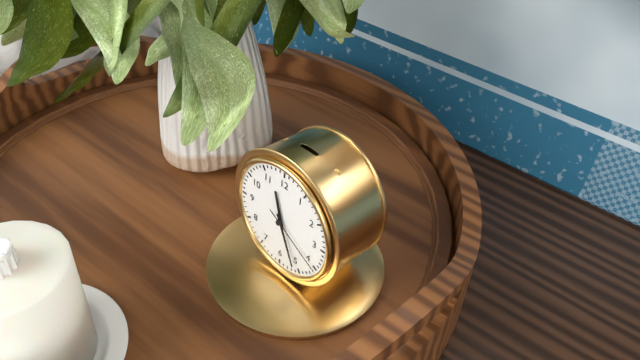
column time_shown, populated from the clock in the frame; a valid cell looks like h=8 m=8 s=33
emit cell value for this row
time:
h=11 m=26 s=20
